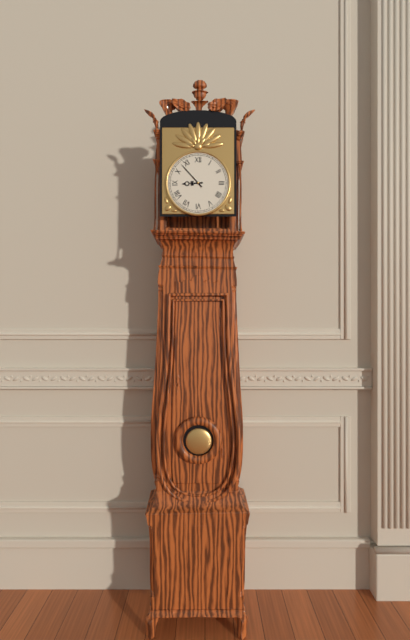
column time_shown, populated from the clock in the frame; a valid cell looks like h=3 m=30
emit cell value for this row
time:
h=8 m=53
